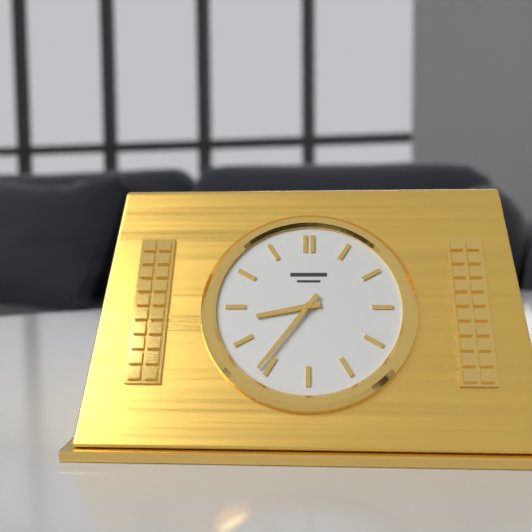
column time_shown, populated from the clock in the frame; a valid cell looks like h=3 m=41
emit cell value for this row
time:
h=8 m=36
